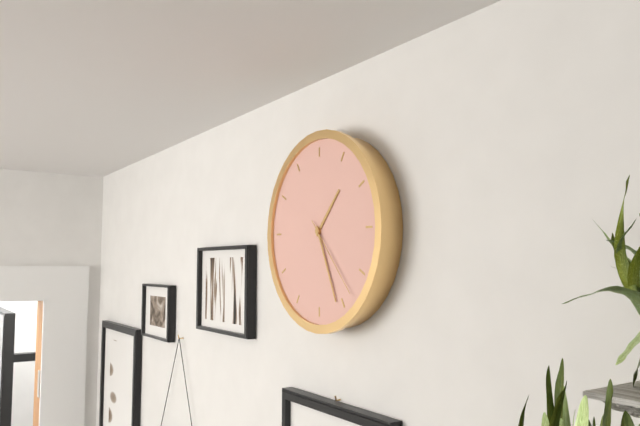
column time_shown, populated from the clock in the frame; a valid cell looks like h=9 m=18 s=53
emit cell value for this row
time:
h=1 m=26 s=23
